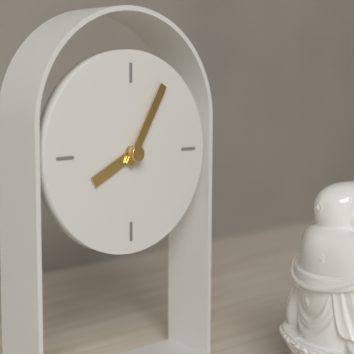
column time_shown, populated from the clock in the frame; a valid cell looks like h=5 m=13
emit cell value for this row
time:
h=8 m=5
